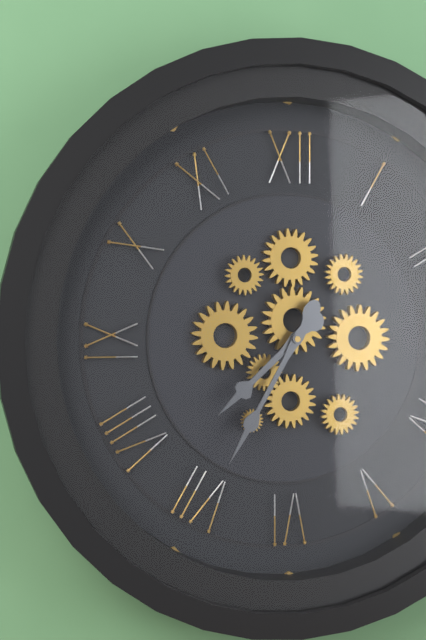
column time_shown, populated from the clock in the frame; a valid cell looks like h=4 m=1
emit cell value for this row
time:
h=7 m=35
